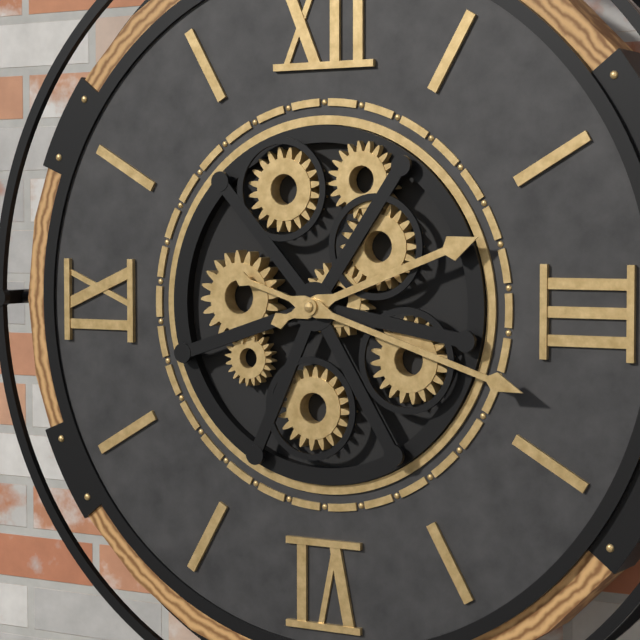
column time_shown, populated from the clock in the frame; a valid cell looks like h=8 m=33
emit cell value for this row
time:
h=2 m=18
